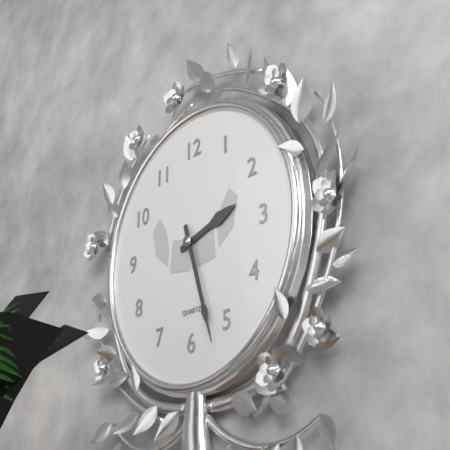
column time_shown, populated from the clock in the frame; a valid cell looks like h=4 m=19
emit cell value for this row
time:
h=2 m=27
